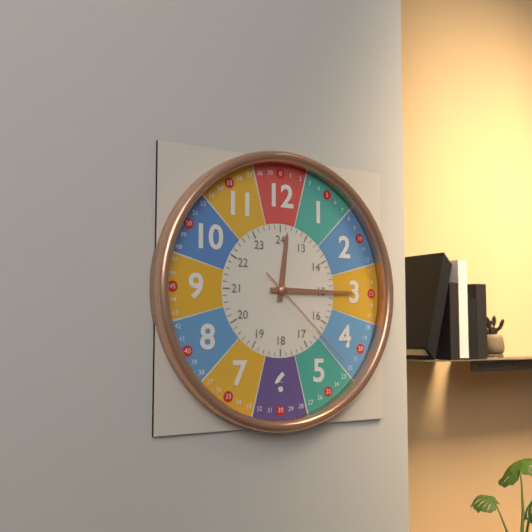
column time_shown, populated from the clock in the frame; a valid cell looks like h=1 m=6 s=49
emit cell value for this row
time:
h=12 m=15 s=22
